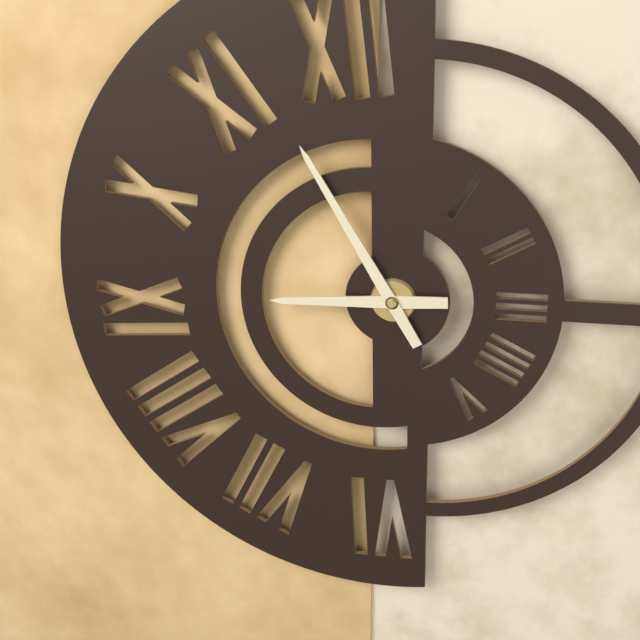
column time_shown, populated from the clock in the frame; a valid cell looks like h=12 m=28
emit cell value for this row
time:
h=8 m=55
